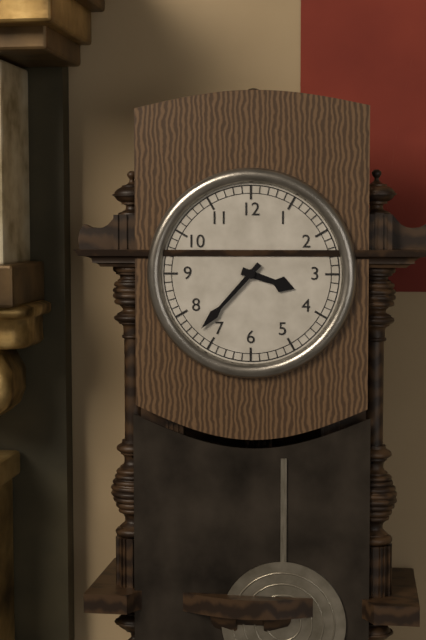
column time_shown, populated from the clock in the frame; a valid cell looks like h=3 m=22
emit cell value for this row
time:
h=3 m=37
